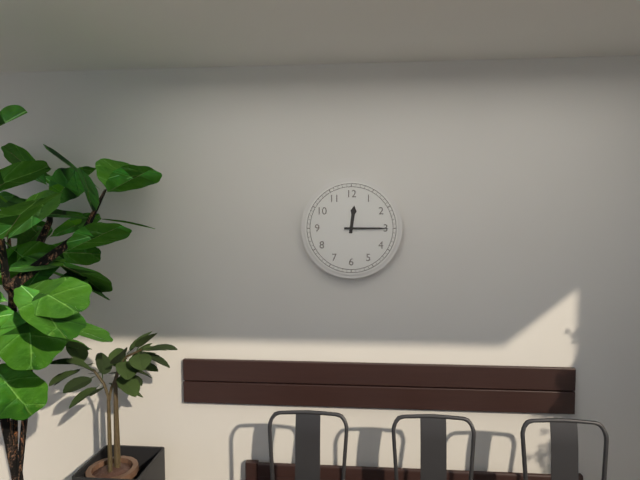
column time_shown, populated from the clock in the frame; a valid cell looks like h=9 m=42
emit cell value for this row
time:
h=12 m=15
